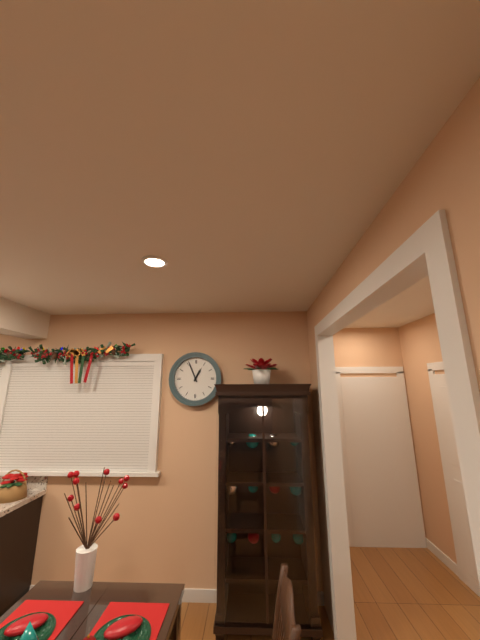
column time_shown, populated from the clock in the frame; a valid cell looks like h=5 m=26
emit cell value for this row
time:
h=12 m=56
